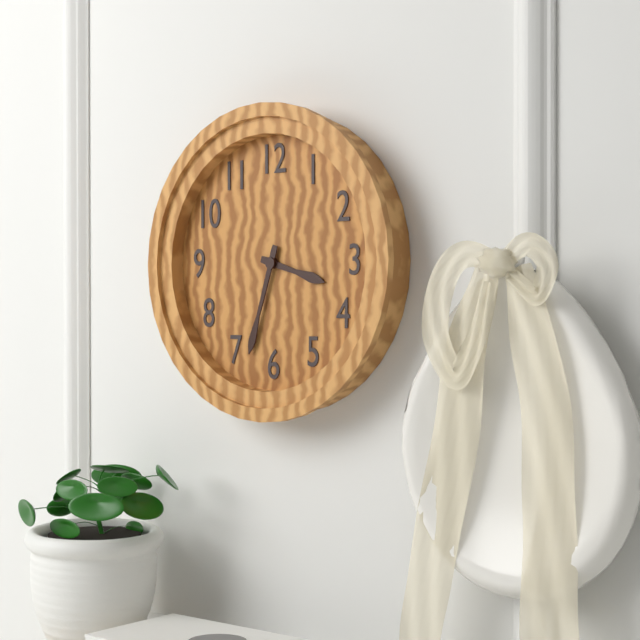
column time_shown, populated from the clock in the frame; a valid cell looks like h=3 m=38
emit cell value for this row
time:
h=3 m=33
